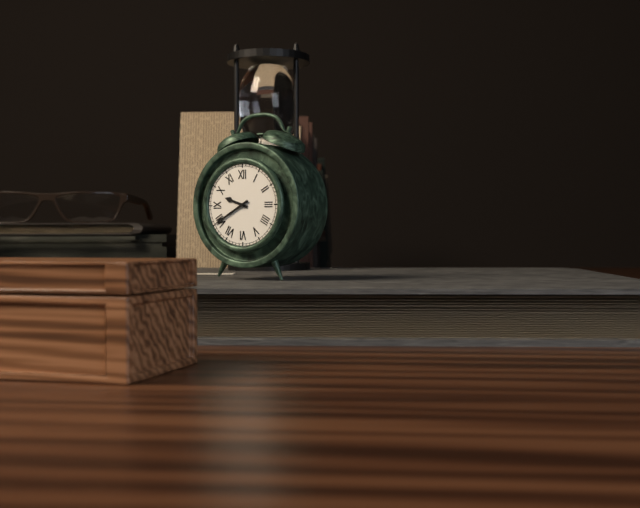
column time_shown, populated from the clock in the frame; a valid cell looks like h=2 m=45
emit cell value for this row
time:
h=9 m=40
